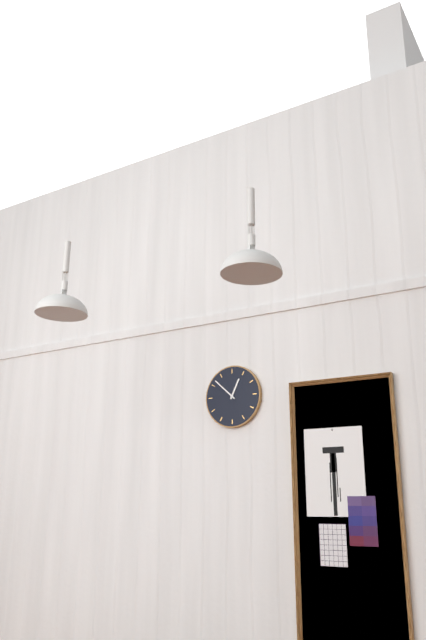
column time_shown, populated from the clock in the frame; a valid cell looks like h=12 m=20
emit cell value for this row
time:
h=12 m=52
